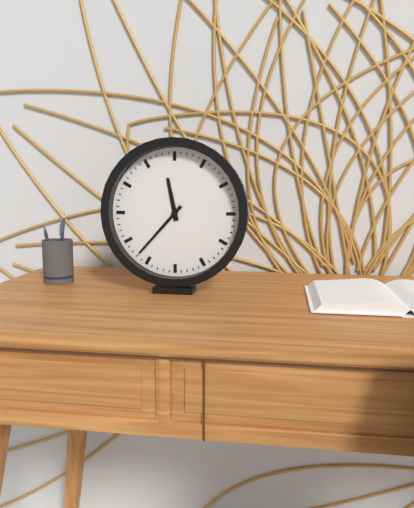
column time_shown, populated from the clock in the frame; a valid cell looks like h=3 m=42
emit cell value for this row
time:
h=11 m=37
